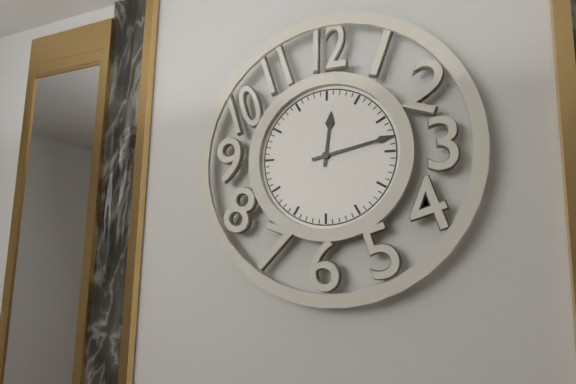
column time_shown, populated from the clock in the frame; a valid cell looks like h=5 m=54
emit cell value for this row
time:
h=12 m=13
